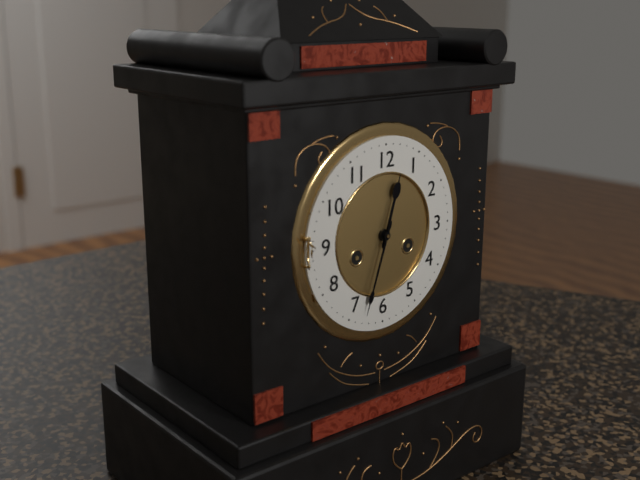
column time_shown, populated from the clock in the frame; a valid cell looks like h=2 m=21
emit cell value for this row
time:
h=12 m=33
